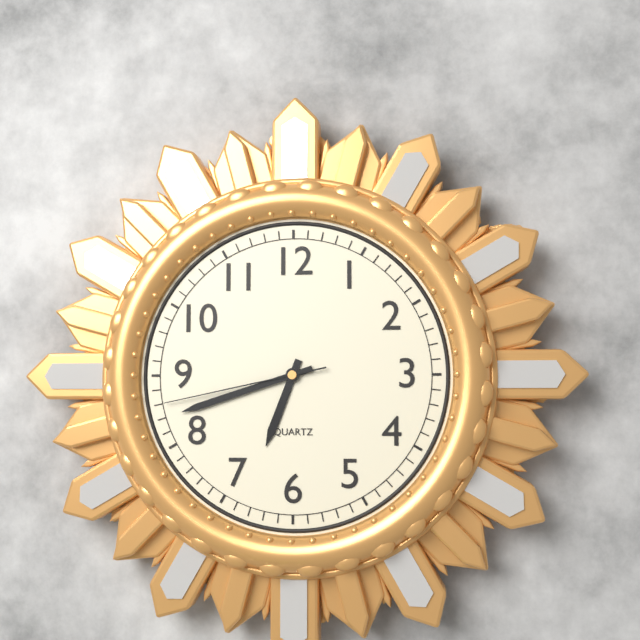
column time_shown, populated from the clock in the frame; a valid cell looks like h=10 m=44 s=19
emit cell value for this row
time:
h=6 m=42 s=43
